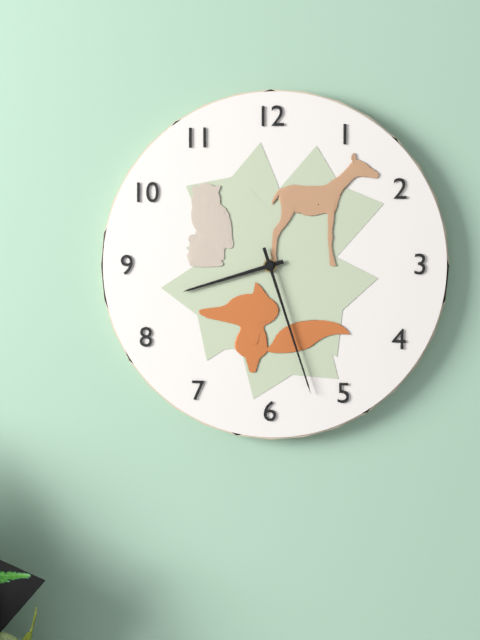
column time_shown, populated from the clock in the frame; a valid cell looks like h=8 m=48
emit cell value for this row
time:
h=8 m=27
